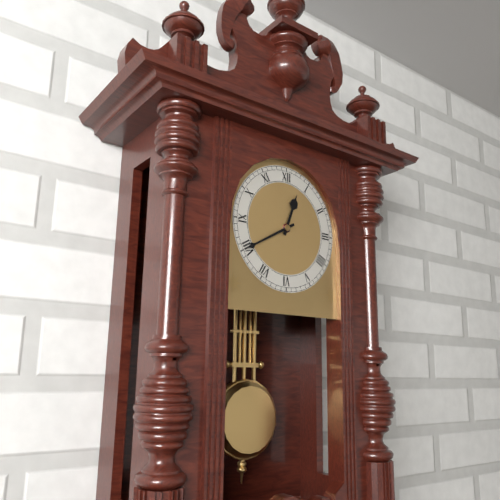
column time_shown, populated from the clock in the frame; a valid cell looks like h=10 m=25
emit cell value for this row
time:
h=12 m=40
